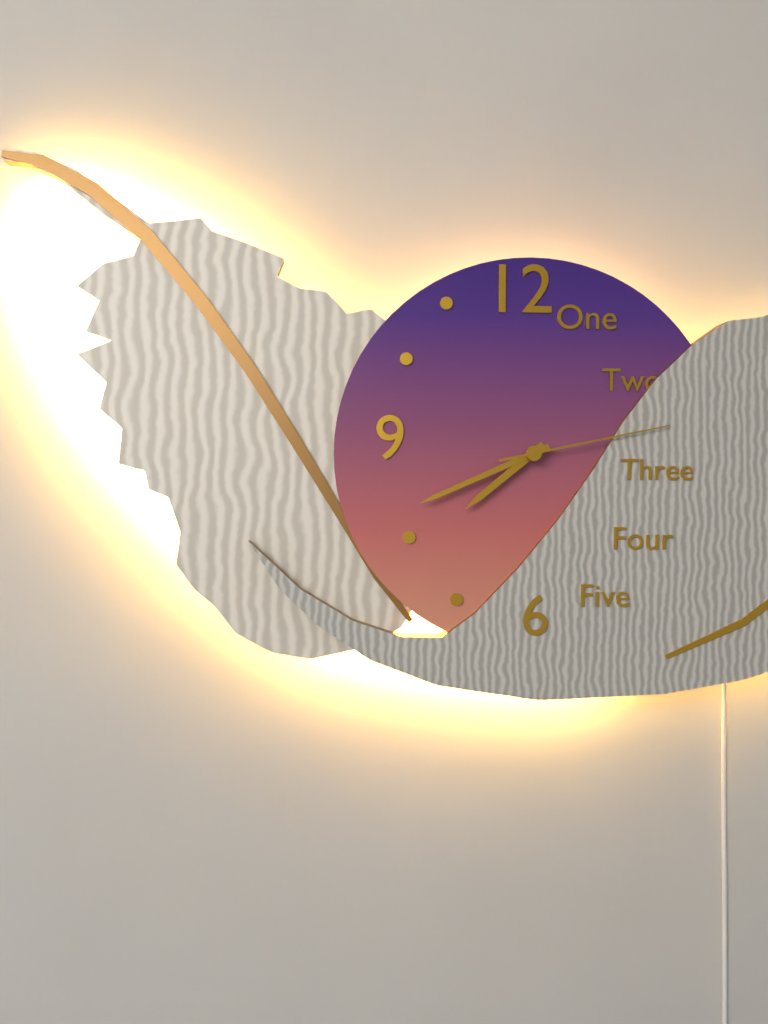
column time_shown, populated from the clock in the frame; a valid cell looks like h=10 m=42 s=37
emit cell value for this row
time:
h=7 m=41 s=13
